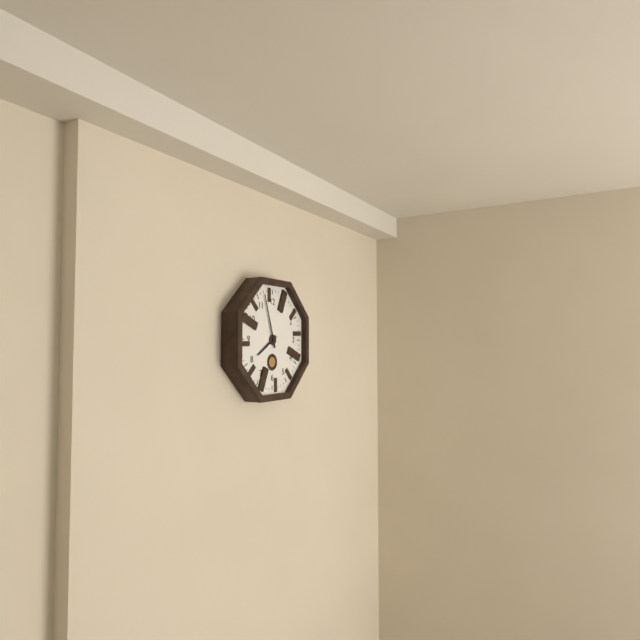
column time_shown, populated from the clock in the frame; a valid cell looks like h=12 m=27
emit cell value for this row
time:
h=7 m=57
